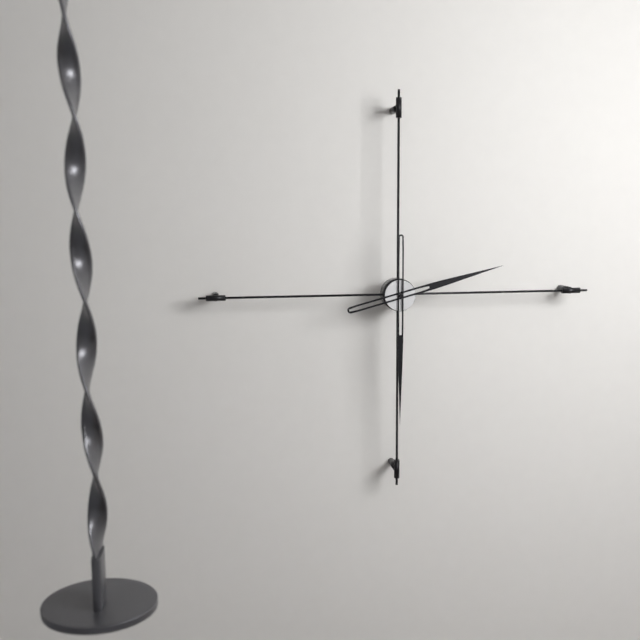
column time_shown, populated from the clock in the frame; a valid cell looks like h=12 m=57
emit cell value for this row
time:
h=2 m=30
